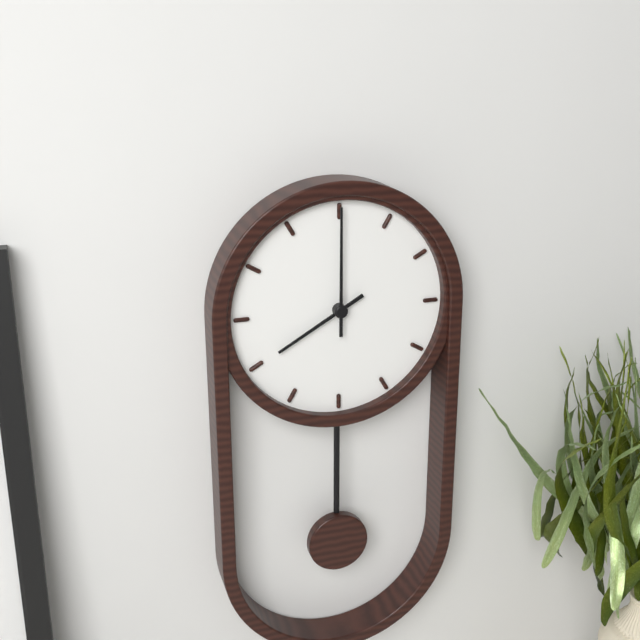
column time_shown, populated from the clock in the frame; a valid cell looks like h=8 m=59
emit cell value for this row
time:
h=8 m=0
